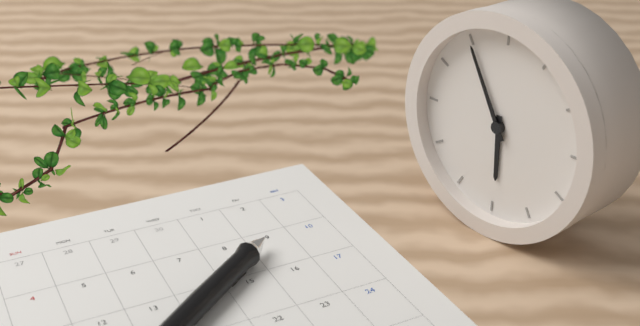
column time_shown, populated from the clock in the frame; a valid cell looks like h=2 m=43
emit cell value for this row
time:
h=5 m=55
